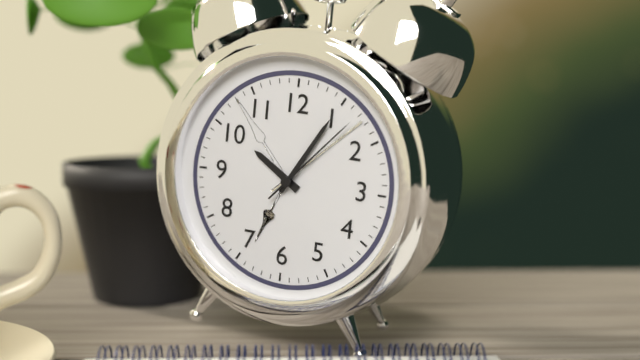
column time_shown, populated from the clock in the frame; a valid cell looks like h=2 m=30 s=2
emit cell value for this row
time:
h=10 m=5 s=7
